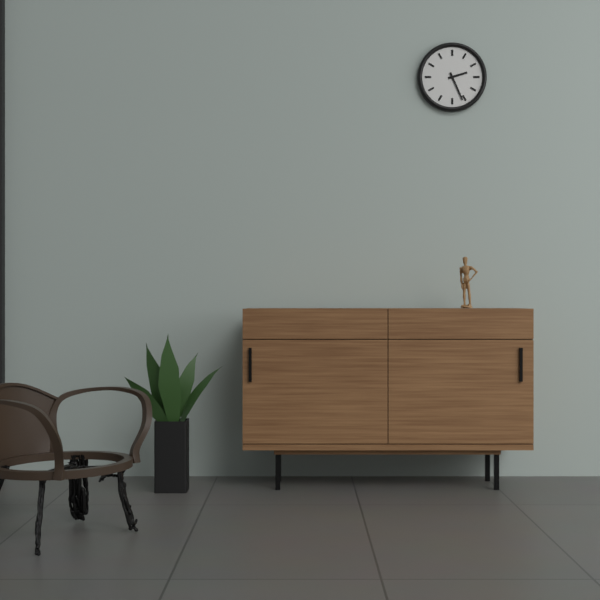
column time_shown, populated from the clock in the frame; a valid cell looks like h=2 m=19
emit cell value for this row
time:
h=2 m=26
